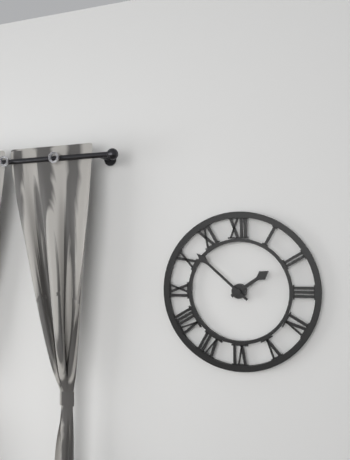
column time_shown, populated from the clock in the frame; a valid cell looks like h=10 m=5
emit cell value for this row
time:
h=1 m=52
